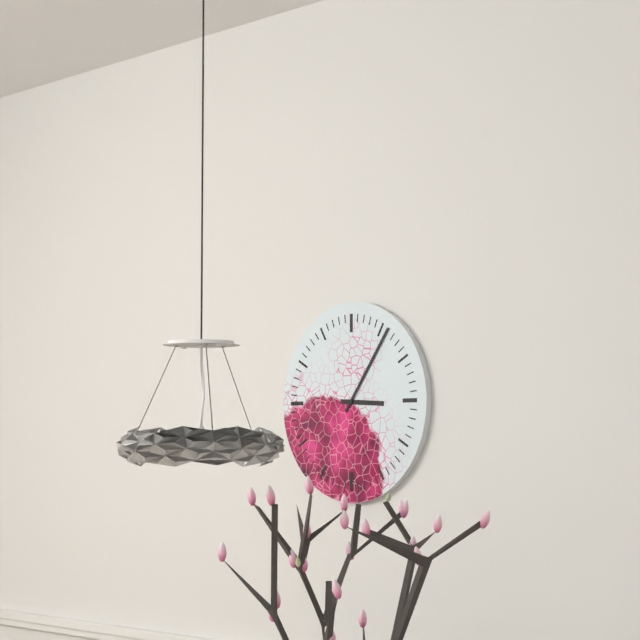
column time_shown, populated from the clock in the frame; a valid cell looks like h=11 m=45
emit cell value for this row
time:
h=3 m=6
